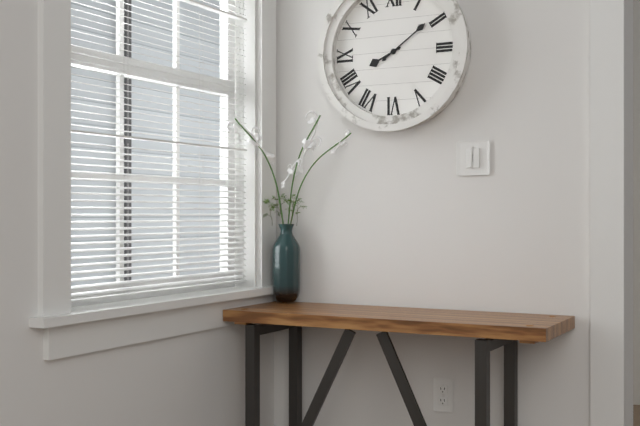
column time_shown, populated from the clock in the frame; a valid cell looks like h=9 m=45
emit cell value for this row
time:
h=8 m=9
